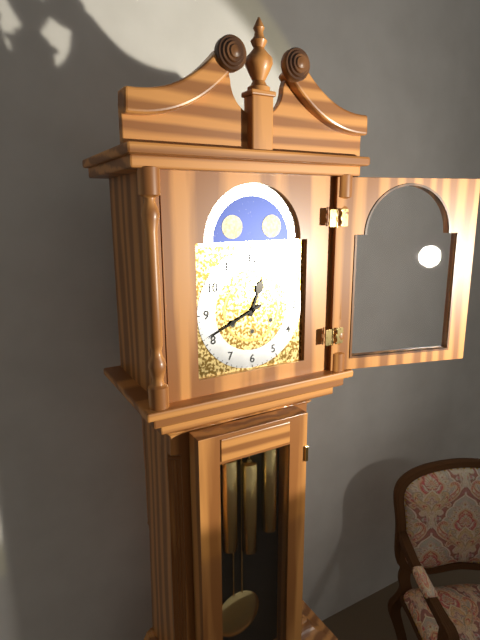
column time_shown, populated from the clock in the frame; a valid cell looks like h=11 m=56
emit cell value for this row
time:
h=12 m=41
